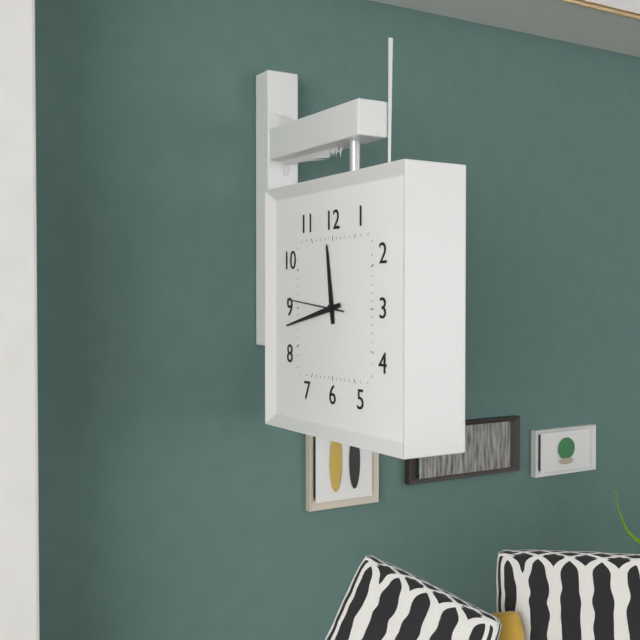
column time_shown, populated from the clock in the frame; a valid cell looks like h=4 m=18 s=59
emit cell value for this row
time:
h=11 m=43 s=46
